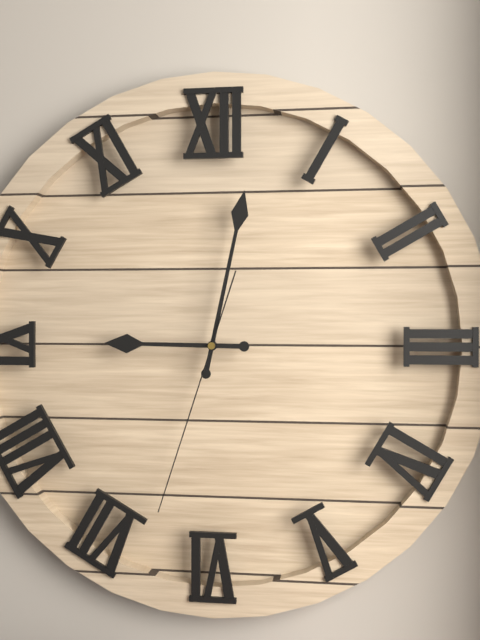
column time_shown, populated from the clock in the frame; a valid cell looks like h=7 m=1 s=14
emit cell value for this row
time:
h=9 m=2 s=33
